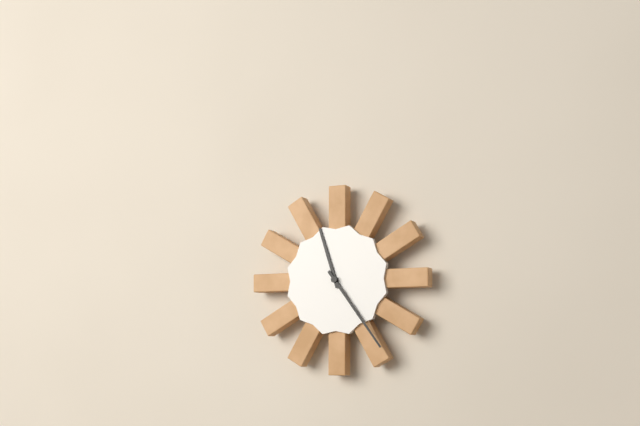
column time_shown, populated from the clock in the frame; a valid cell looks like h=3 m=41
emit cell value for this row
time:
h=11 m=24
